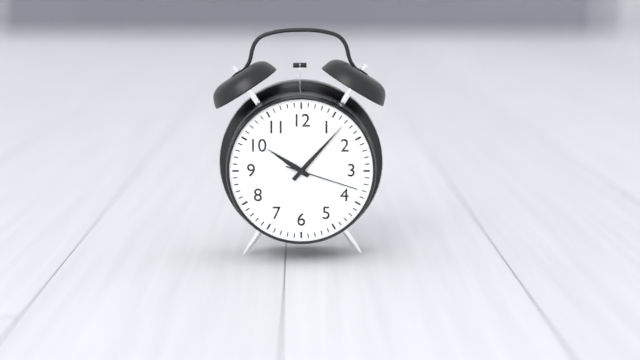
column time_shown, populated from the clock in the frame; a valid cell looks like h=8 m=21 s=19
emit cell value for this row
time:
h=10 m=7 s=18
